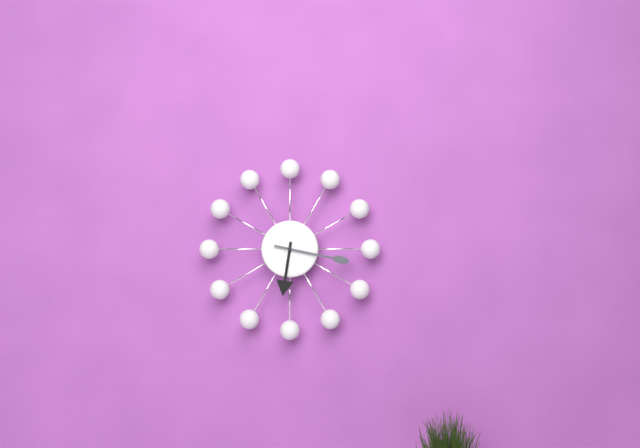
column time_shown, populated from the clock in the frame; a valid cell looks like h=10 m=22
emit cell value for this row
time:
h=6 m=17
